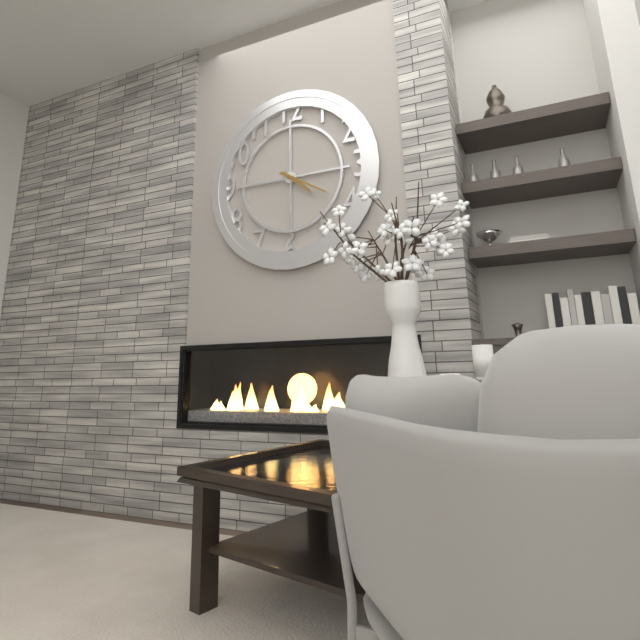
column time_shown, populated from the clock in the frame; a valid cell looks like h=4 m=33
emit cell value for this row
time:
h=4 m=20
